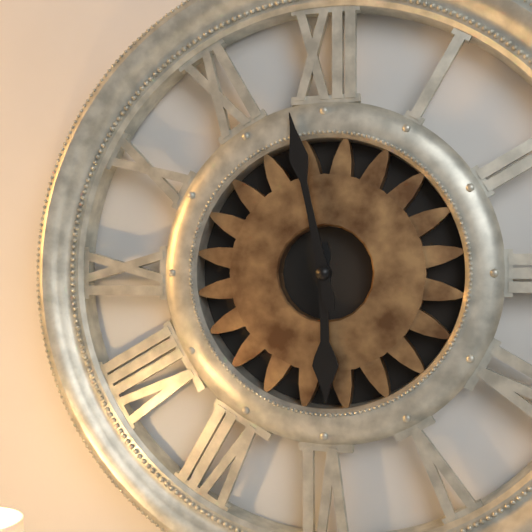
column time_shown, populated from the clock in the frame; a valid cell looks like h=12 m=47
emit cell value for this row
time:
h=5 m=58
